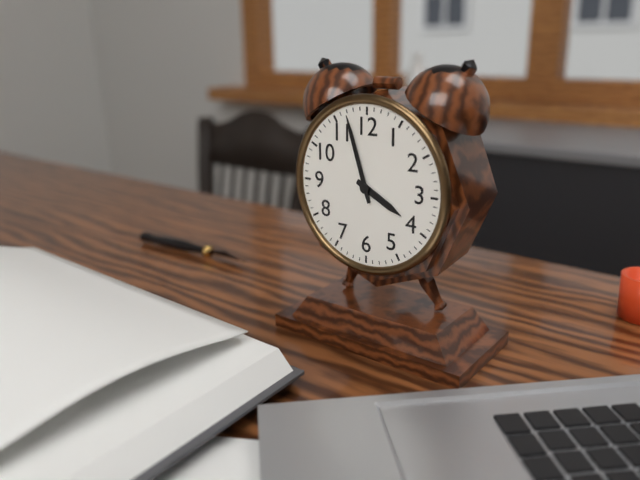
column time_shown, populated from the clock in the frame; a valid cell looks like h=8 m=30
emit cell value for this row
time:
h=3 m=57
